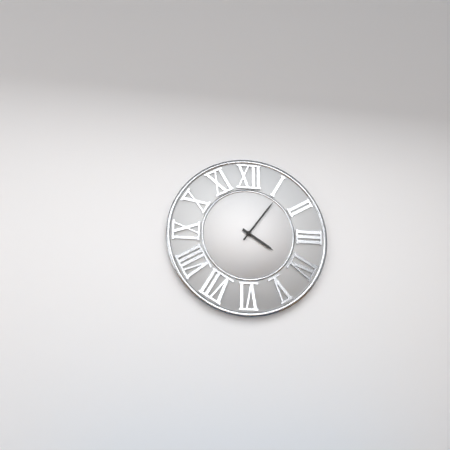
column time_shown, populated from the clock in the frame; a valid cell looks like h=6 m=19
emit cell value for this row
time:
h=4 m=6
